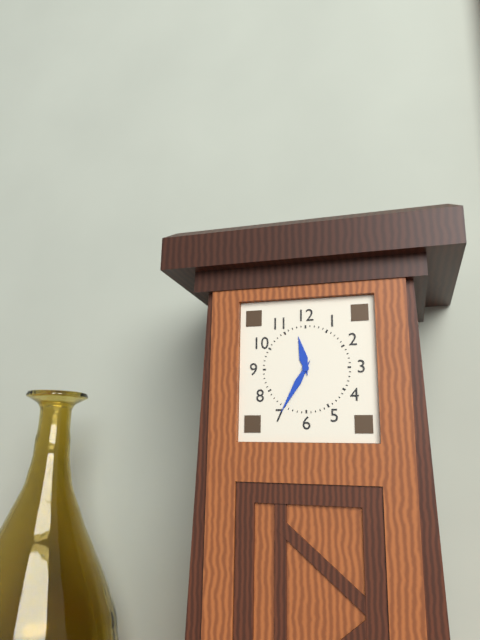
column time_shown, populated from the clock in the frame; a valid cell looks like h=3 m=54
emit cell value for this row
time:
h=11 m=35
